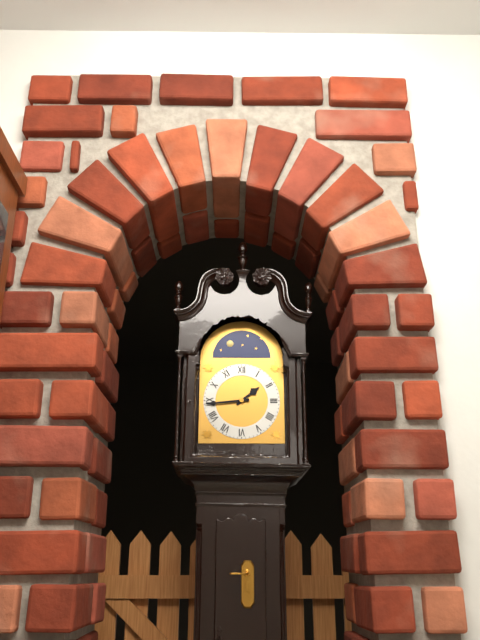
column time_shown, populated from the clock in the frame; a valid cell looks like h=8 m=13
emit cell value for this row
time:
h=1 m=44
